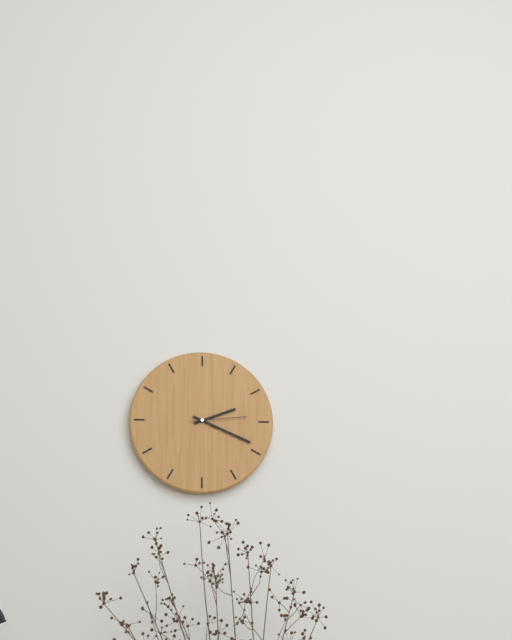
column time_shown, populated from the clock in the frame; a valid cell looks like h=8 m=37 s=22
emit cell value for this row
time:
h=2 m=19 s=14
